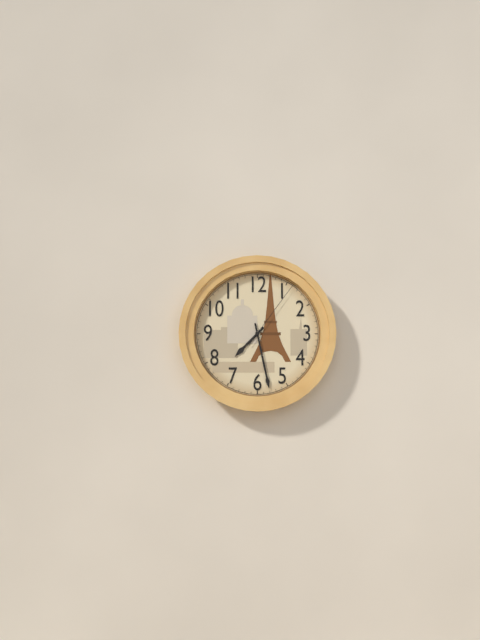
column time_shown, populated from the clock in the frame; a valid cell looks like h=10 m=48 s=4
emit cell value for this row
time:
h=7 m=28 s=6
